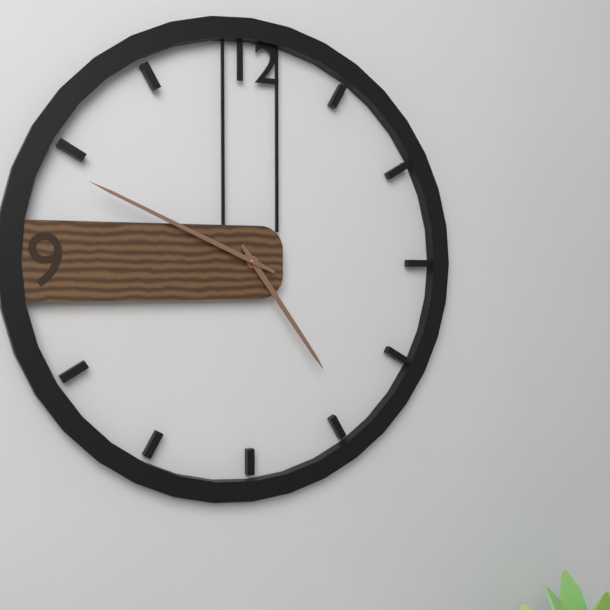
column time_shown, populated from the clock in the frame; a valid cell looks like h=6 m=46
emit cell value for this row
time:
h=4 m=49
